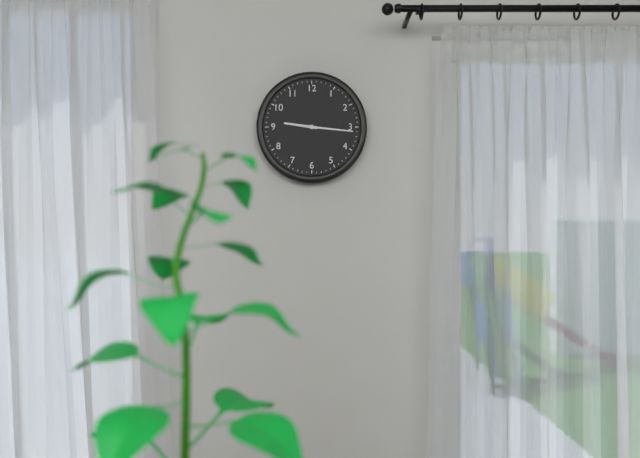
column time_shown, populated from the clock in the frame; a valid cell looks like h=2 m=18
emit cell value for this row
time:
h=9 m=16
